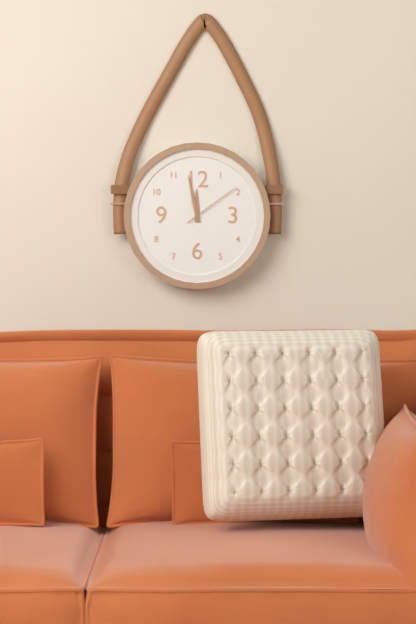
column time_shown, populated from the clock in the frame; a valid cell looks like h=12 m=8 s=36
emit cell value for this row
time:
h=11 m=58 s=9
